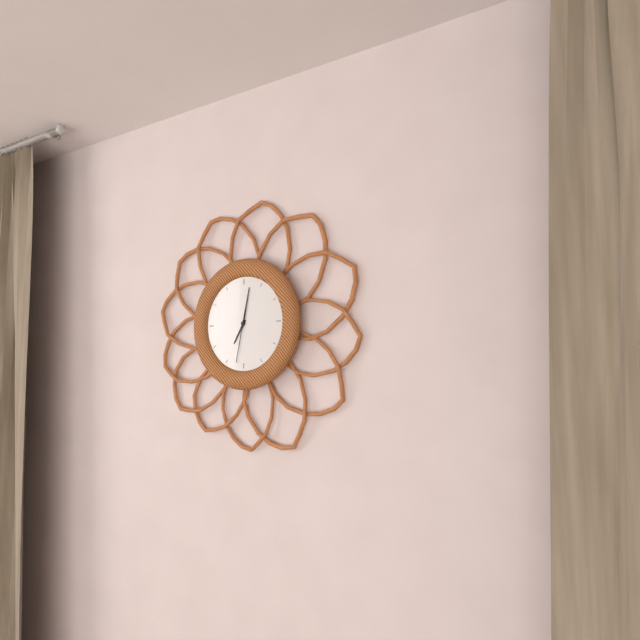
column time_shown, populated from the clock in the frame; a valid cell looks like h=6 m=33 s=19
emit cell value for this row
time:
h=7 m=2 s=32
